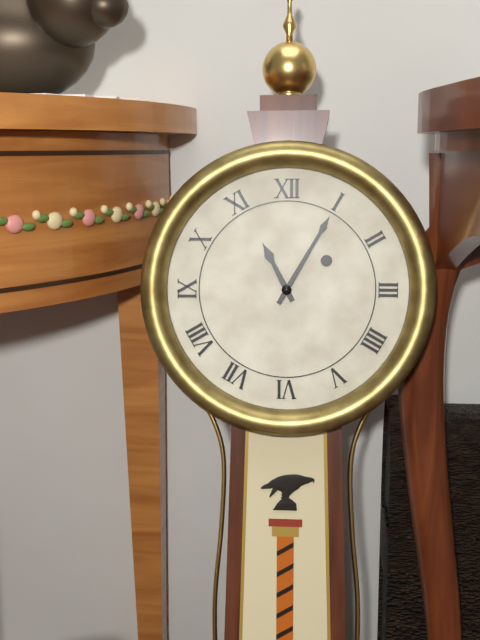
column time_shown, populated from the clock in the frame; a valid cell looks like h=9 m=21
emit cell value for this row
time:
h=11 m=5
